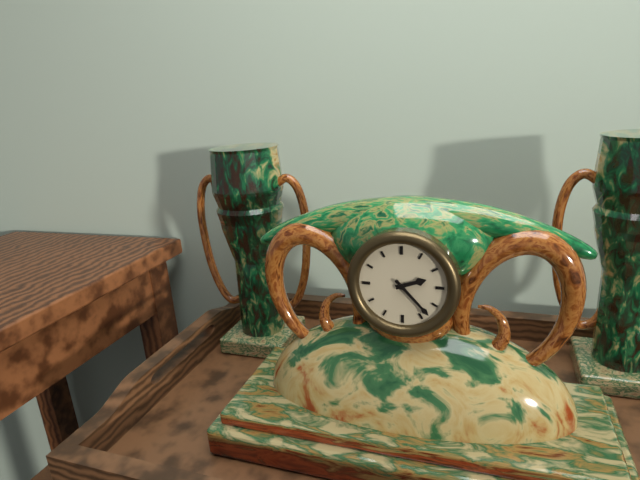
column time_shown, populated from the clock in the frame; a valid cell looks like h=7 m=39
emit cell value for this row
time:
h=2 m=23
